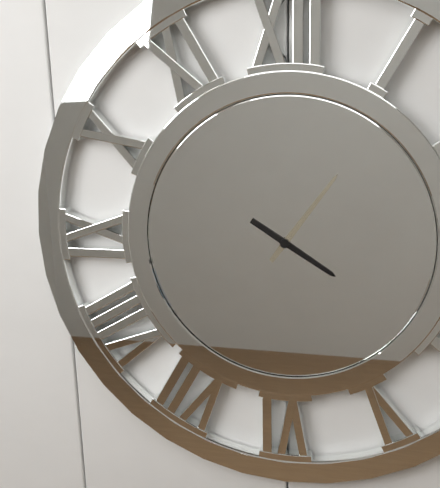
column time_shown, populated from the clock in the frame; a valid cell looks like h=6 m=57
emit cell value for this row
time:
h=4 m=6
